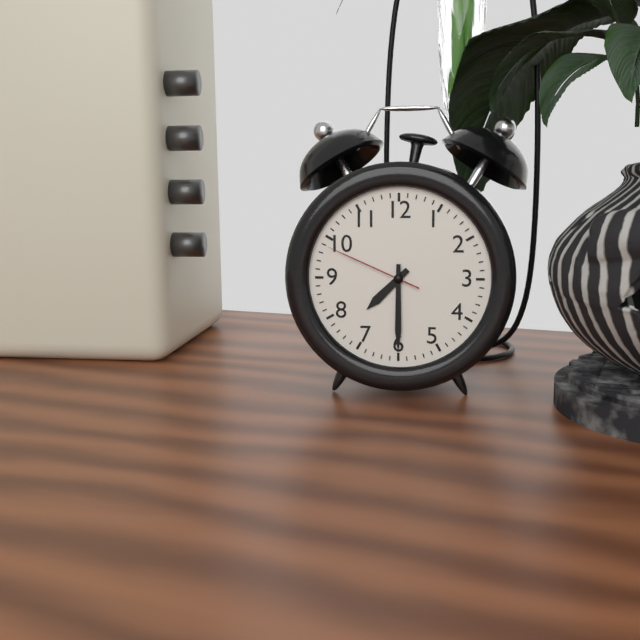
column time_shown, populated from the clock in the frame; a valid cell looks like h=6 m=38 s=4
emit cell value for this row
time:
h=7 m=30 s=49
